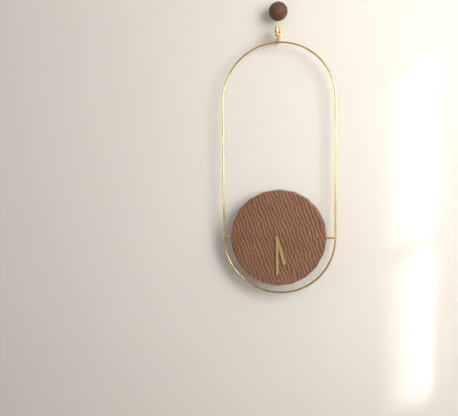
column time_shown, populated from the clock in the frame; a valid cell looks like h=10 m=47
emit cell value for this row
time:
h=5 m=30
